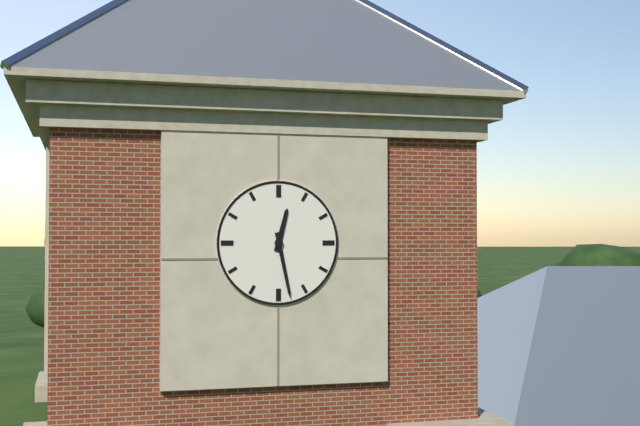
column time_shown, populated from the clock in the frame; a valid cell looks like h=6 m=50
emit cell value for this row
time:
h=12 m=28
